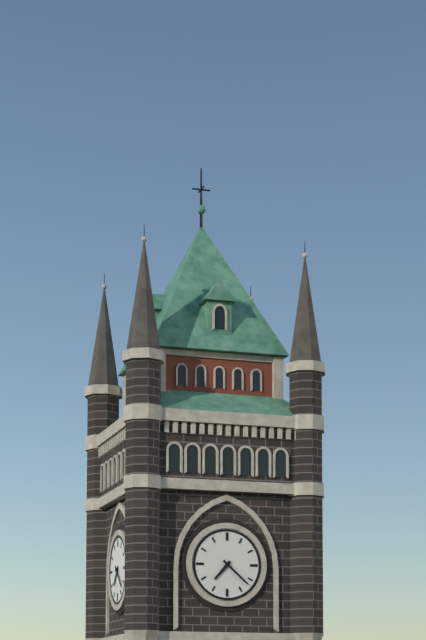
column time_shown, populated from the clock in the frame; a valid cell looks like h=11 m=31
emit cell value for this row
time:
h=7 m=22
